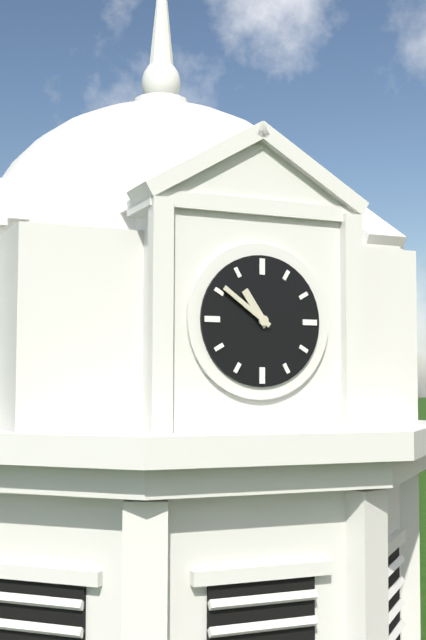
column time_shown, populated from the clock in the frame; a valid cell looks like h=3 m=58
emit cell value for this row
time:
h=10 m=51
